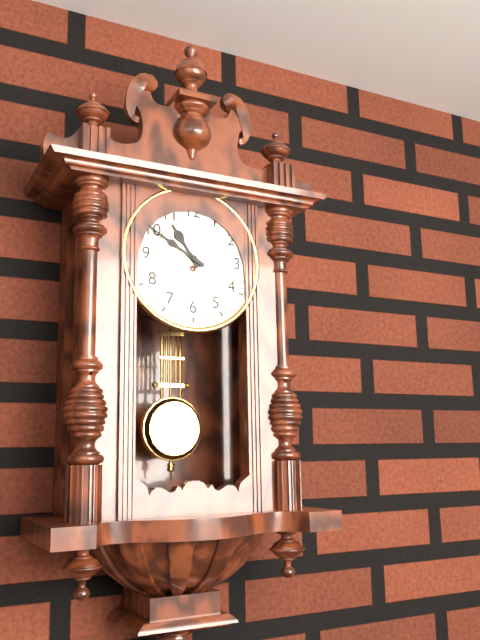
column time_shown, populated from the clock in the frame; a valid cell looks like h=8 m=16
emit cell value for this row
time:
h=10 m=50
